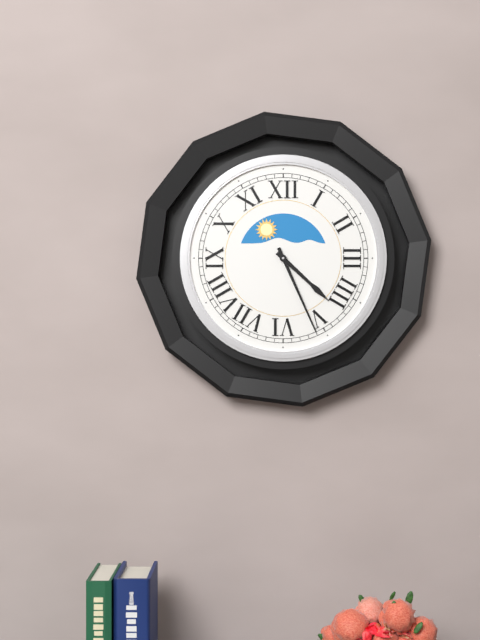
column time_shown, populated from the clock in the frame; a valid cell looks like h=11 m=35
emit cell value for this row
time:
h=4 m=26
